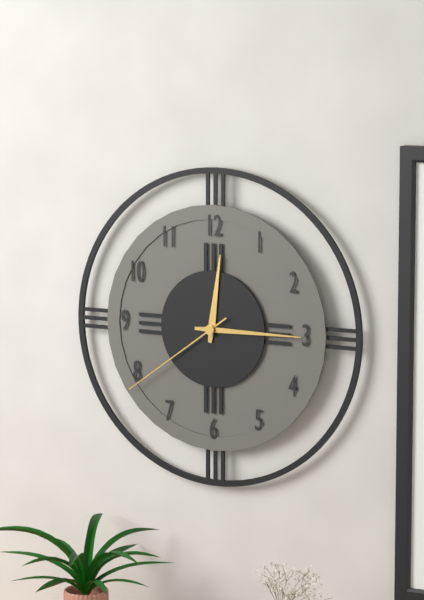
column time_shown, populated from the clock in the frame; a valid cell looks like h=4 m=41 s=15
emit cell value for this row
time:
h=12 m=15 s=39
